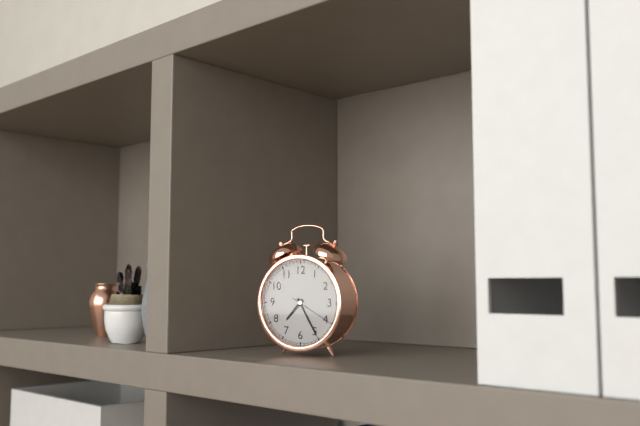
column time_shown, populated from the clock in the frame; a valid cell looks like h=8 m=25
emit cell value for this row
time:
h=7 m=25
